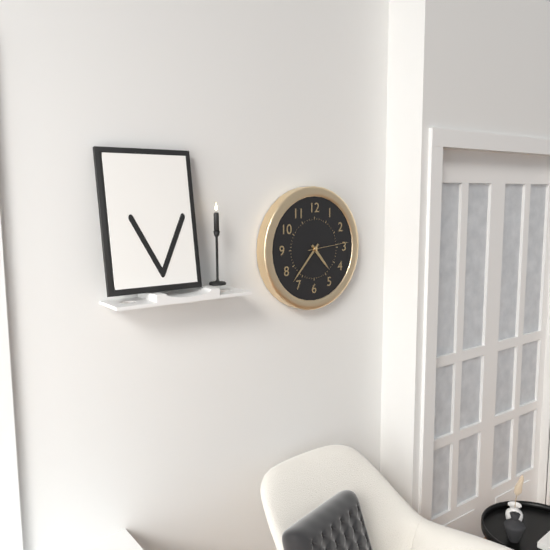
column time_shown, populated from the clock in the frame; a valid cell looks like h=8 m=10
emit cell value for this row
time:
h=4 m=37
